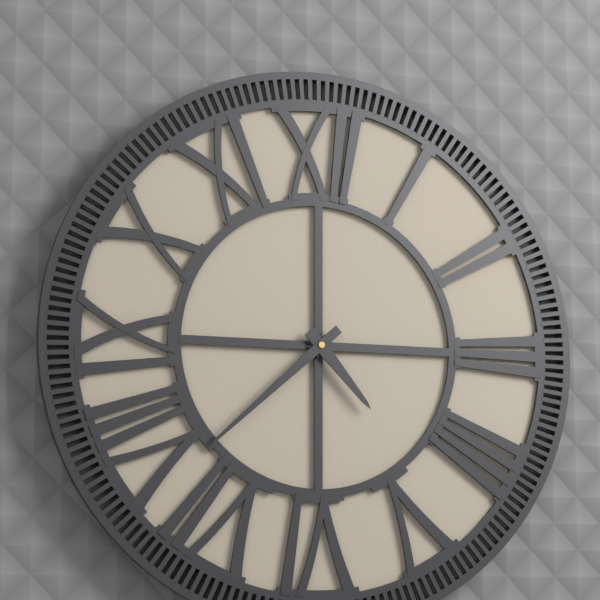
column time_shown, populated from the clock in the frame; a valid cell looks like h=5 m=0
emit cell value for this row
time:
h=4 m=38
